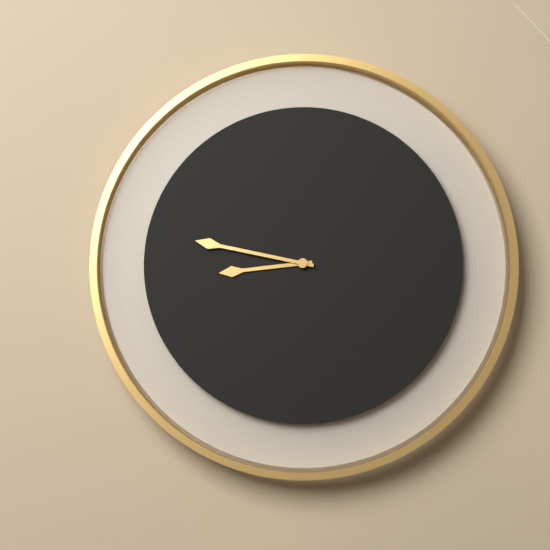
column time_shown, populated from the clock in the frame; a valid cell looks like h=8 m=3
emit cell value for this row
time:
h=8 m=47
